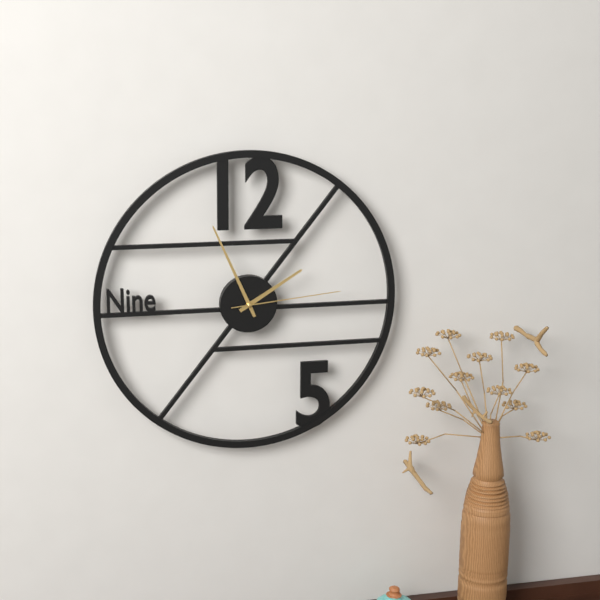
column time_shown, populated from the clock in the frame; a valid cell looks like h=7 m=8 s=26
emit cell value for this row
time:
h=1 m=56 s=14
